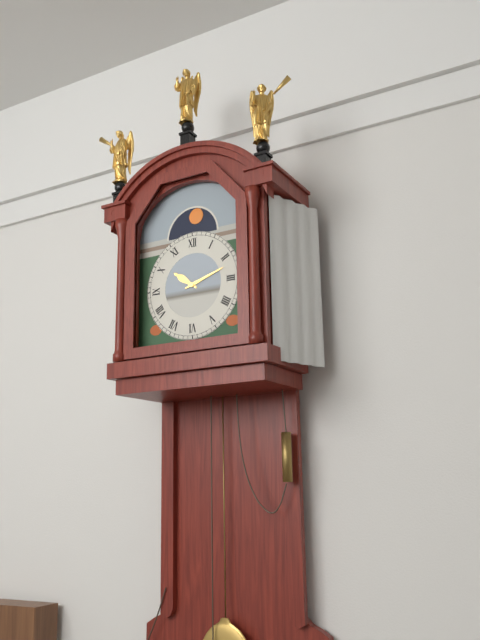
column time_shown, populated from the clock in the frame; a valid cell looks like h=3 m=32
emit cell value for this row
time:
h=10 m=12
